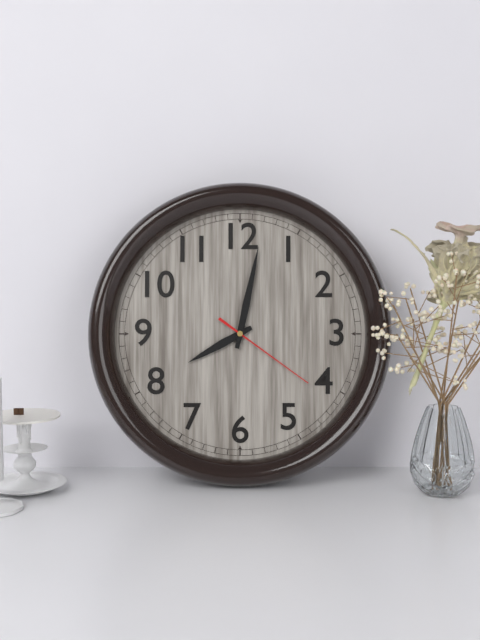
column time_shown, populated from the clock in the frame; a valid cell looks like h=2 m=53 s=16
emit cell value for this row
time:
h=8 m=2 s=21
